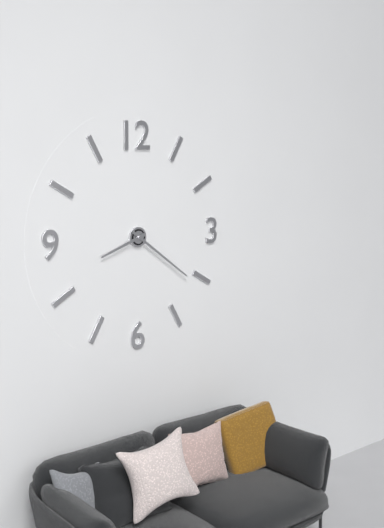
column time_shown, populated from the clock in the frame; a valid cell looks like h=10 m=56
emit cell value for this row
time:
h=8 m=21
